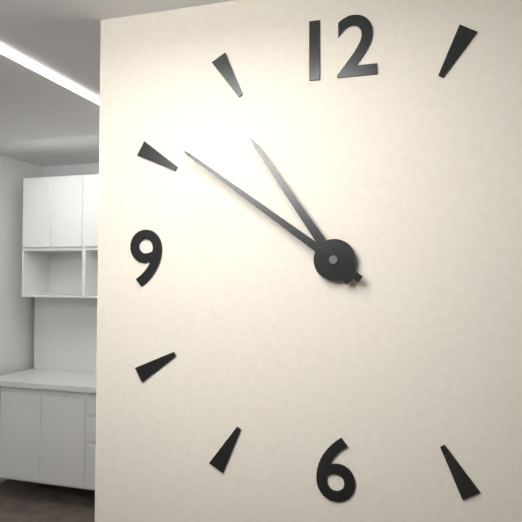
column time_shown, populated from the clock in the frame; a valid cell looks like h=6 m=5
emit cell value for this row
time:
h=10 m=51
